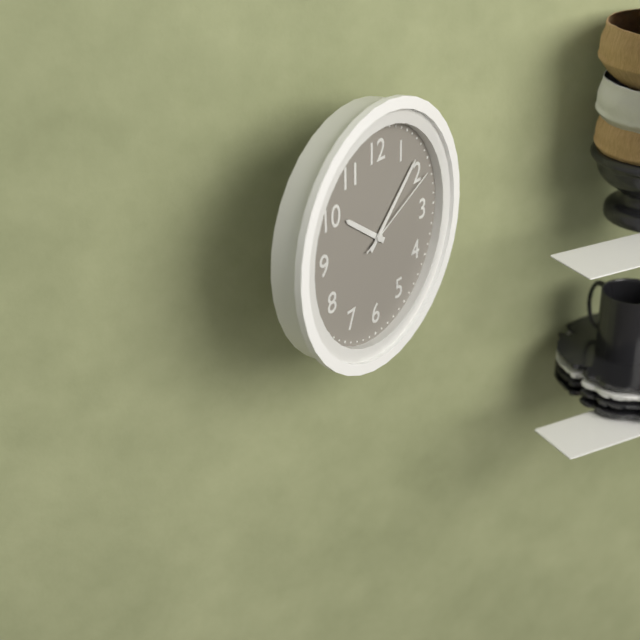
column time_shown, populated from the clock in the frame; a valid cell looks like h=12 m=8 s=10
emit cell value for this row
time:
h=10 m=8 s=11
